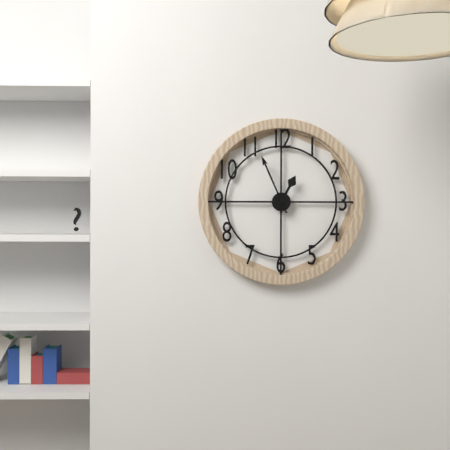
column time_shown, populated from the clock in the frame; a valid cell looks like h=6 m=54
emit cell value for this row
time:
h=12 m=56
